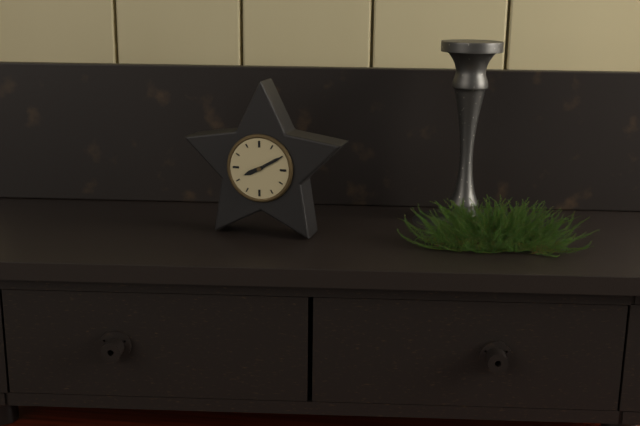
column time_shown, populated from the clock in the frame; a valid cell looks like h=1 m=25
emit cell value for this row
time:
h=8 m=10
